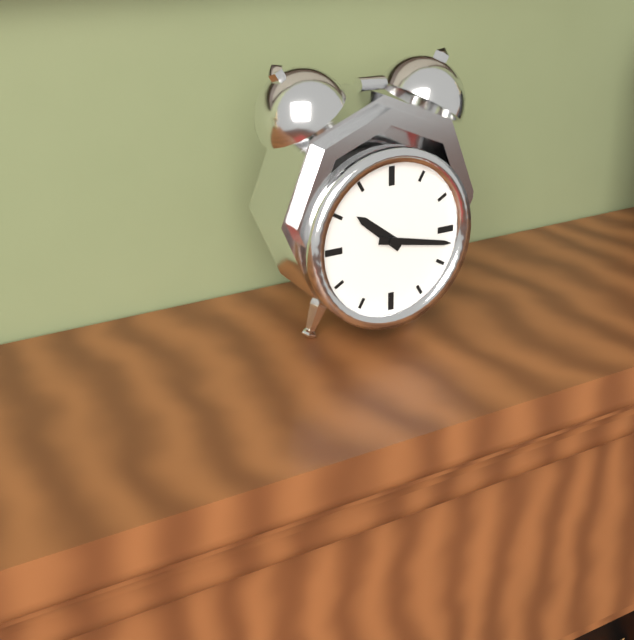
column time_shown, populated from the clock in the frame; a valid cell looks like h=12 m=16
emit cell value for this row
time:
h=10 m=17
